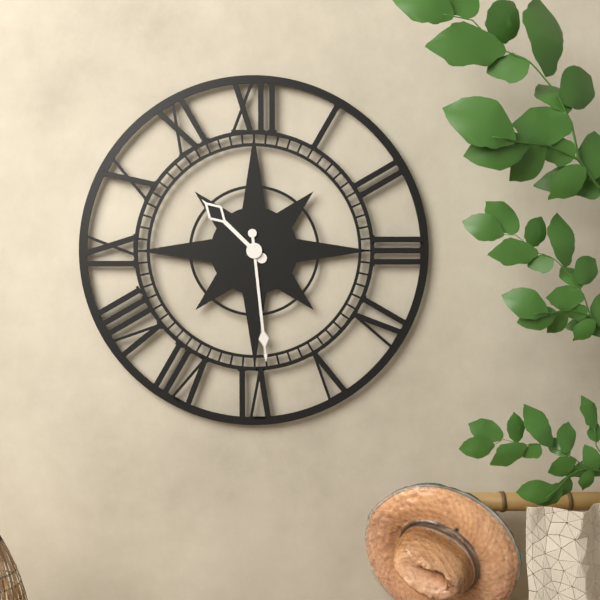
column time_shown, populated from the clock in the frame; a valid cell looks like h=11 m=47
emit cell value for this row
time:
h=10 m=29
